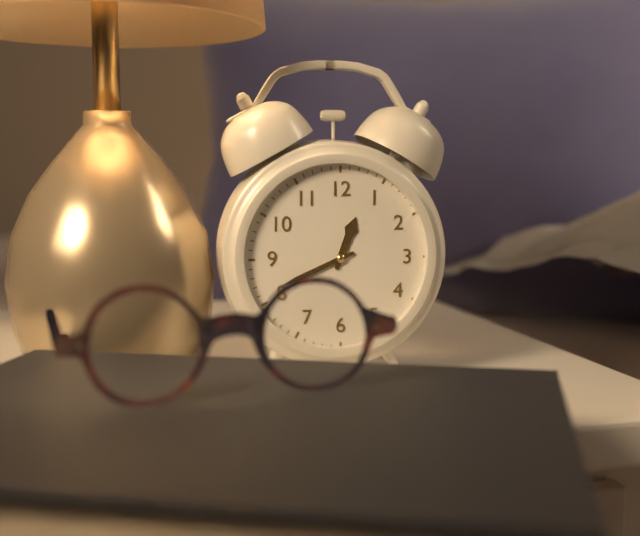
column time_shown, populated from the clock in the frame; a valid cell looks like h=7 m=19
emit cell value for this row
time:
h=12 m=41
